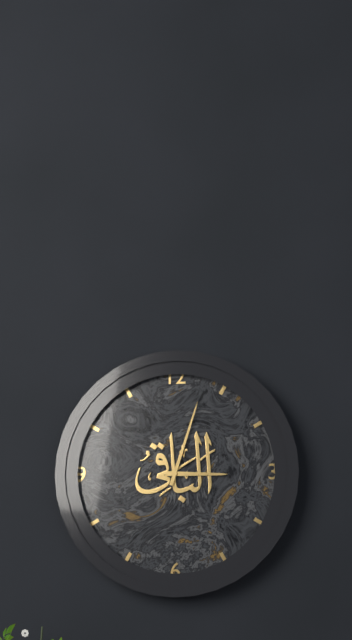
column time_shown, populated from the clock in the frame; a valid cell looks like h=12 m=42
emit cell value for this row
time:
h=3 m=3
